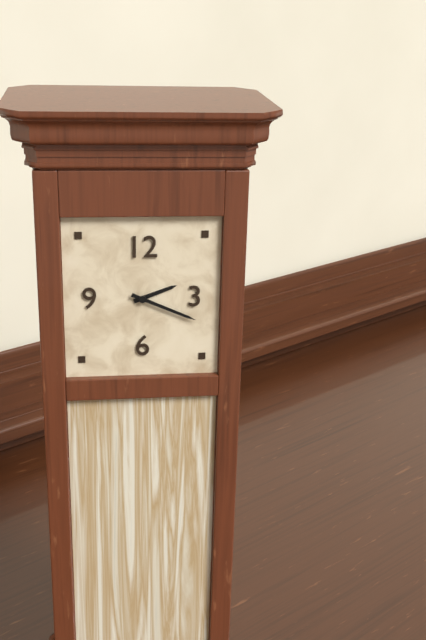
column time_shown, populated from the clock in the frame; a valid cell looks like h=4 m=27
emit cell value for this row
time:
h=2 m=19
